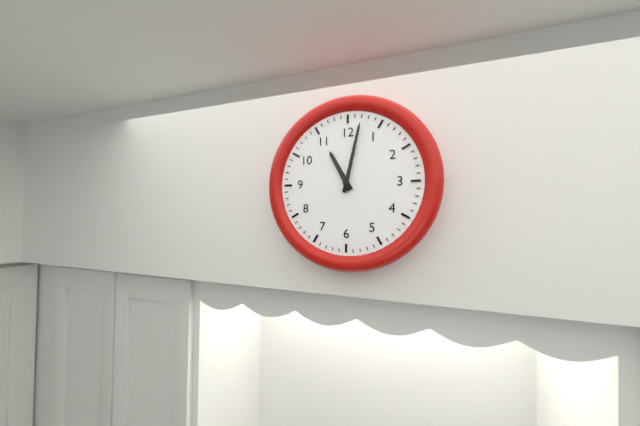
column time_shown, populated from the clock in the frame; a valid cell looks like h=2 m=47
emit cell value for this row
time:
h=11 m=2
